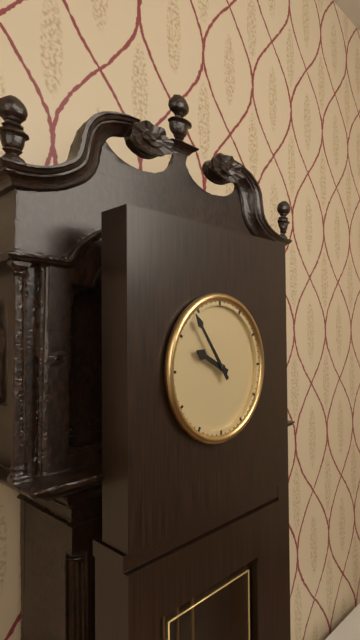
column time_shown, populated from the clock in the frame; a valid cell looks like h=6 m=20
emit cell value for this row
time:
h=9 m=54
